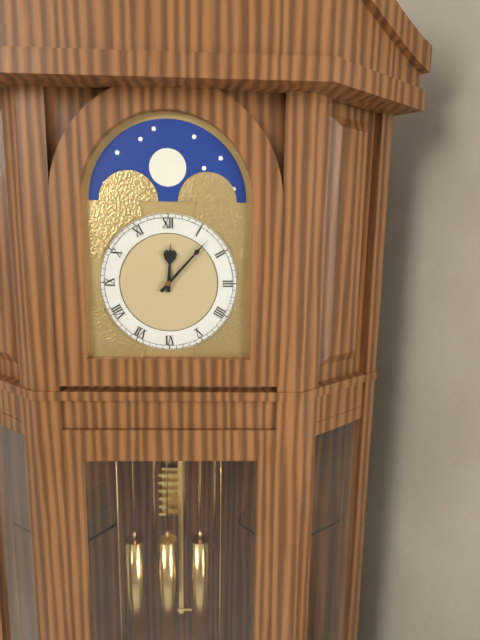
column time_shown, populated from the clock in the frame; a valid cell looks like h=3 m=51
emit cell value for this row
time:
h=12 m=7
